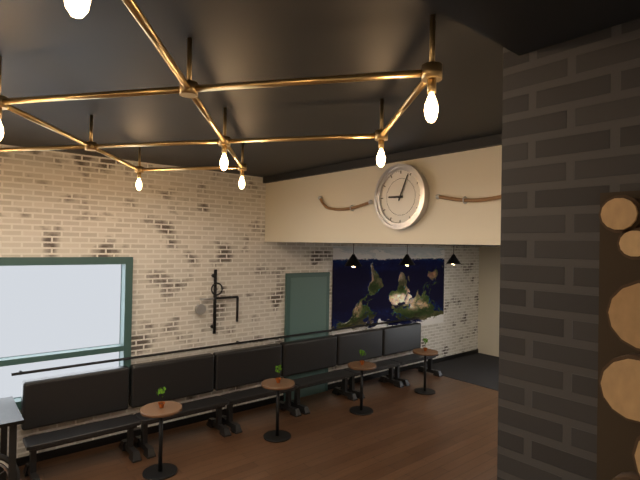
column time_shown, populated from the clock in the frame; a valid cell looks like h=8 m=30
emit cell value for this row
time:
h=9 m=4
